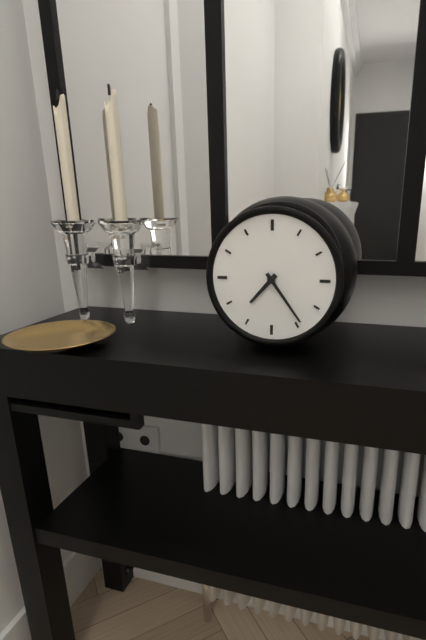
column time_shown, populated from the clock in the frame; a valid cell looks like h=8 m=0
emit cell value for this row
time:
h=7 m=24
